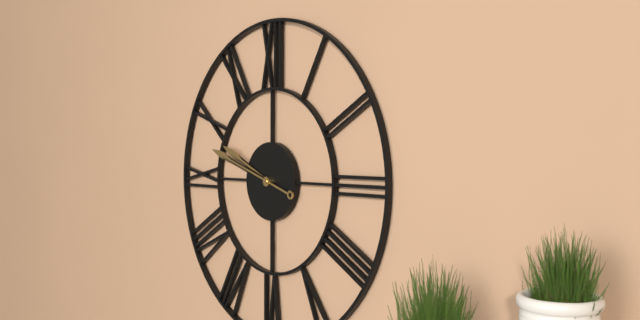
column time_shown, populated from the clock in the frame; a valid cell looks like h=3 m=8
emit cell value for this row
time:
h=9 m=48
